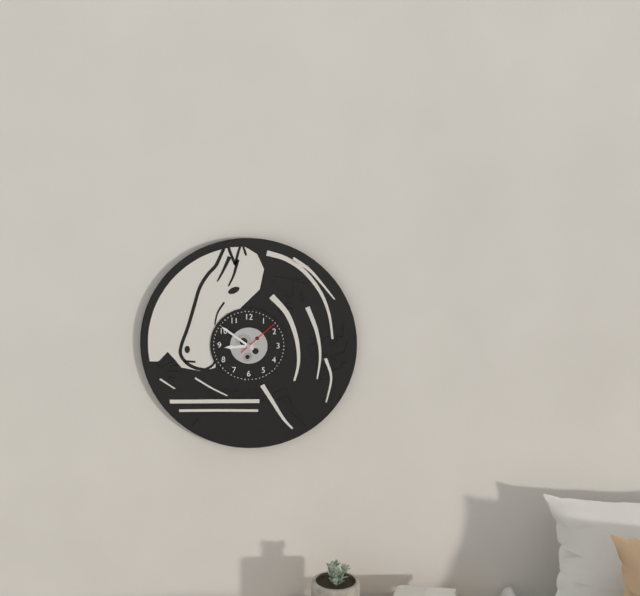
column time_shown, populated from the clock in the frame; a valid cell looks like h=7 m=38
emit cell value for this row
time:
h=8 m=51
